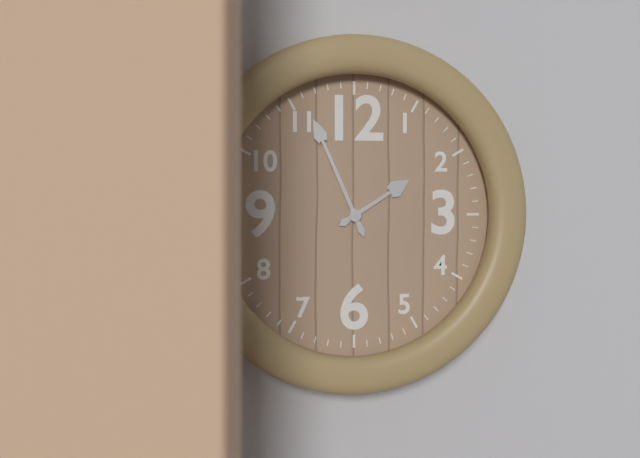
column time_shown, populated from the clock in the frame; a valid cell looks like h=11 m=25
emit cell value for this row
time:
h=1 m=56
